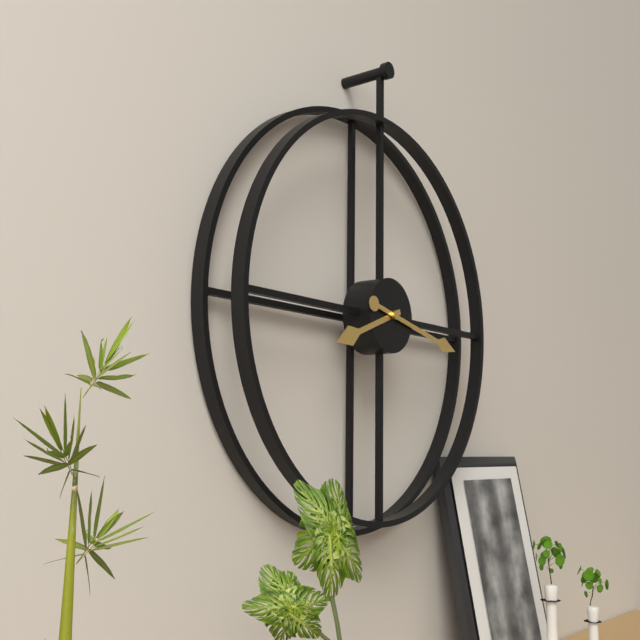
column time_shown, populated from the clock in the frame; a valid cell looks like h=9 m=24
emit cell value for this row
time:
h=8 m=17
